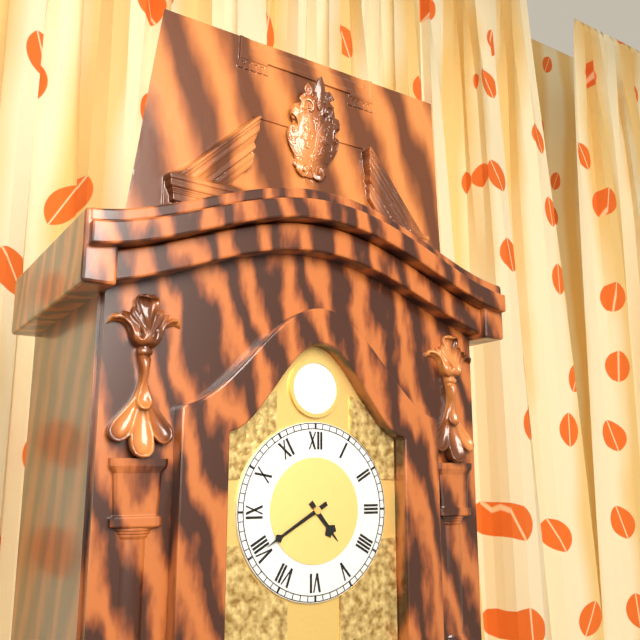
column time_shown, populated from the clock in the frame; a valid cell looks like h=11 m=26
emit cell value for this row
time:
h=4 m=40
